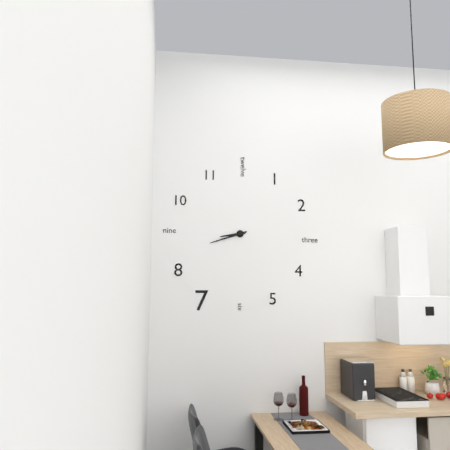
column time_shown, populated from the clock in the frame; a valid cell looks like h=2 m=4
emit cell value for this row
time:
h=8 m=42
